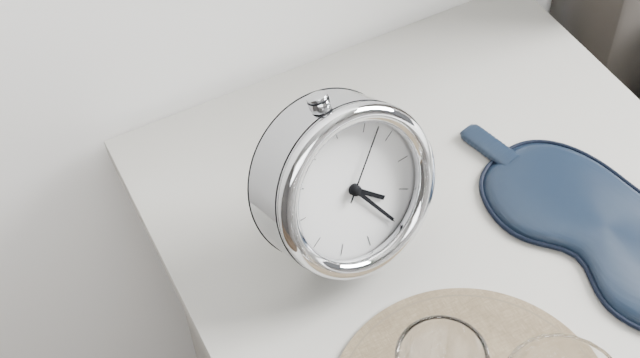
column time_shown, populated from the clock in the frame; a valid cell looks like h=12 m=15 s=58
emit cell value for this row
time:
h=4 m=25 s=7
